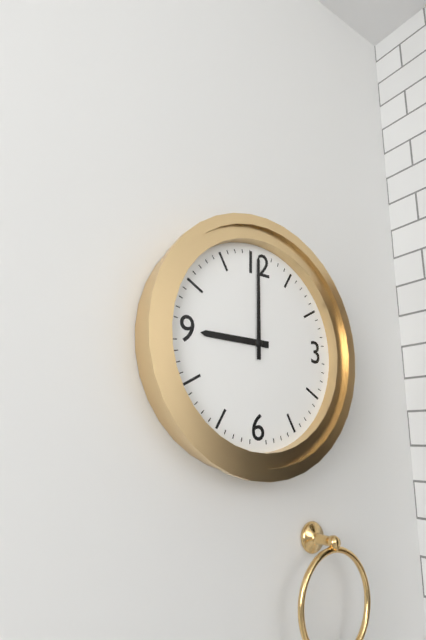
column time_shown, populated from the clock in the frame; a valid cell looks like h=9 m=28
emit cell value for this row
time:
h=9 m=0
